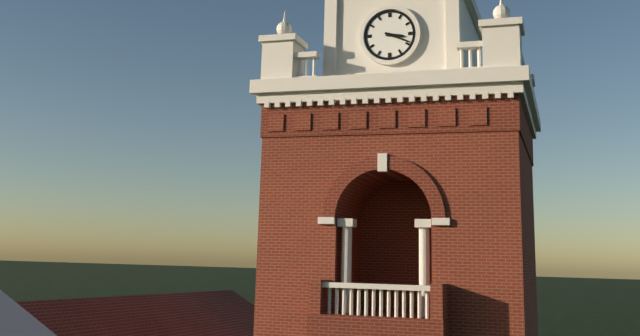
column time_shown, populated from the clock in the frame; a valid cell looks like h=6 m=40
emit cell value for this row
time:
h=3 m=19
